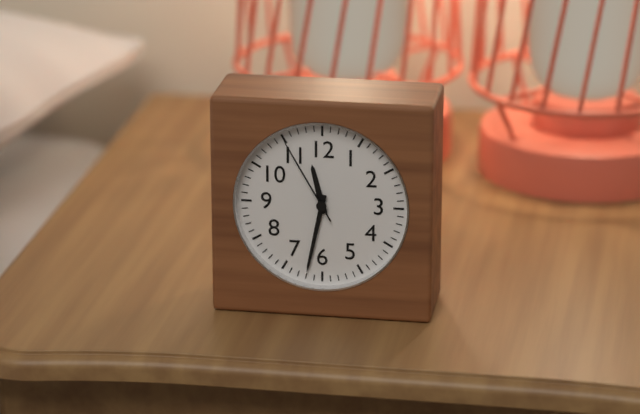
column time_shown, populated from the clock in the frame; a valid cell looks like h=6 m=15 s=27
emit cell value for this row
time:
h=11 m=32 s=55
